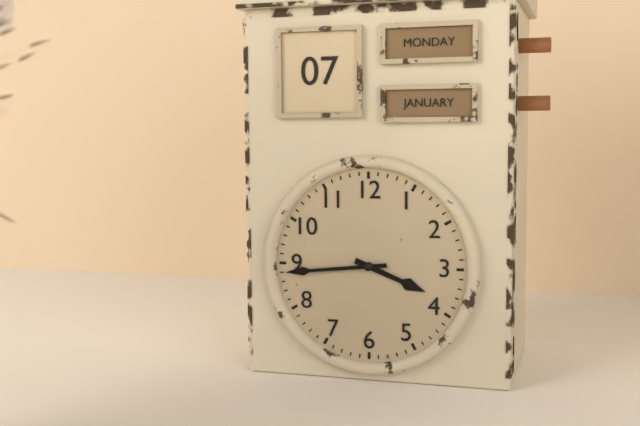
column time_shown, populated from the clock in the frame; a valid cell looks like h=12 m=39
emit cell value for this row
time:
h=3 m=44
